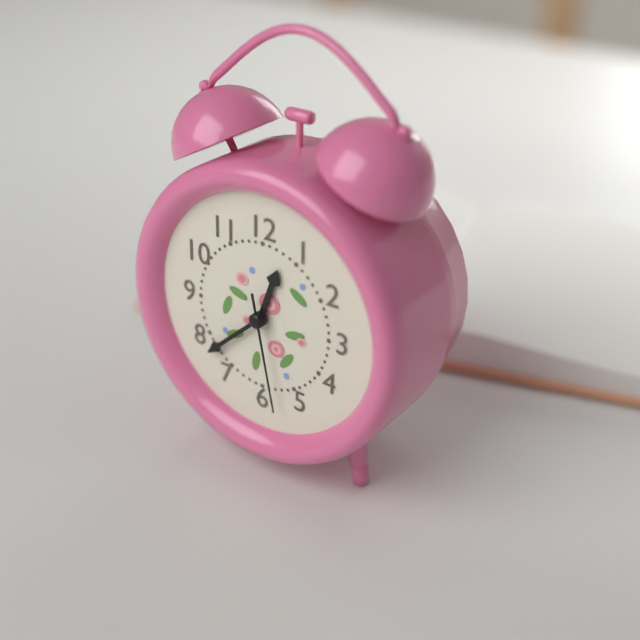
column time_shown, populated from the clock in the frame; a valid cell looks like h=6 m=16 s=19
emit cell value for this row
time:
h=12 m=38 s=28
